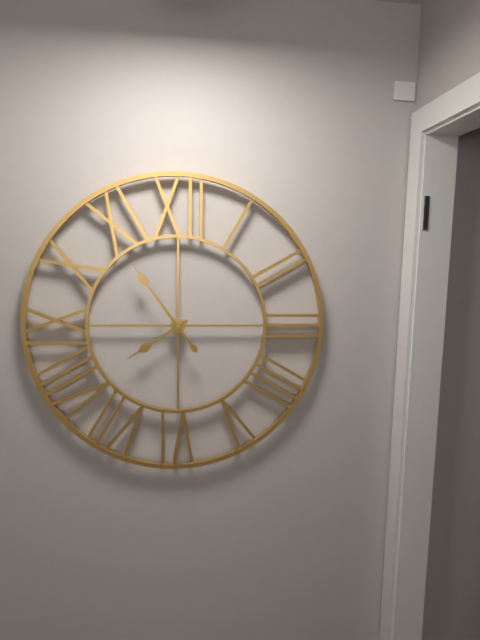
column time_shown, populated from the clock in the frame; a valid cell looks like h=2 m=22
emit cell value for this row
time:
h=7 m=54
